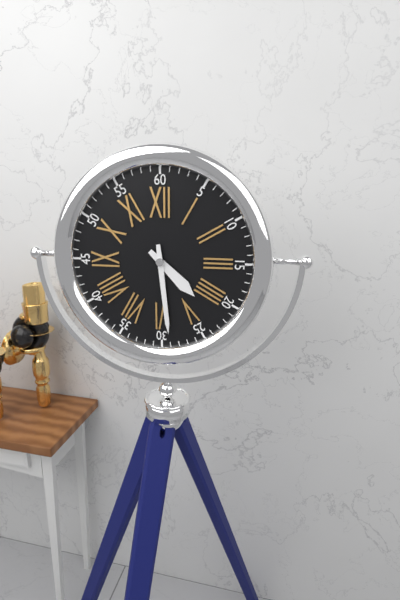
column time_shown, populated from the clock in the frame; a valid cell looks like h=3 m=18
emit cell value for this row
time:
h=4 m=29
